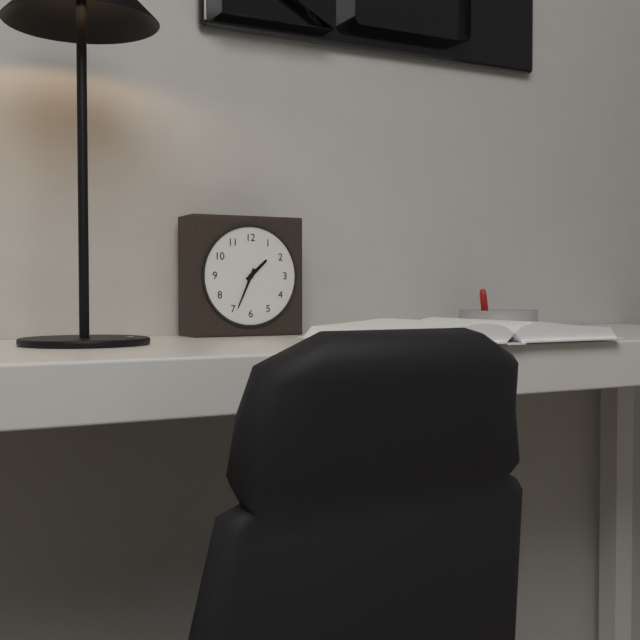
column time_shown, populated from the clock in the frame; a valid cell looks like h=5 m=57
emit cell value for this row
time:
h=1 m=34
